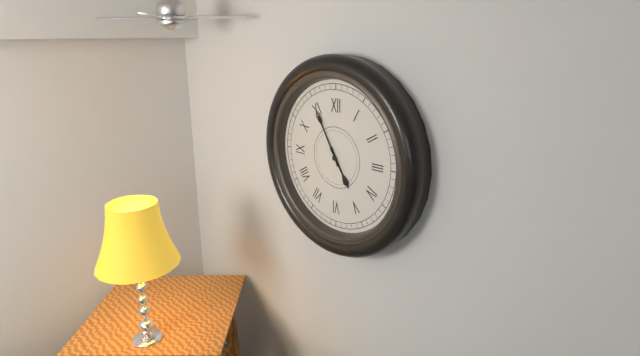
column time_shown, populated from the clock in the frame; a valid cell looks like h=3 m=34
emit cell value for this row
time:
h=4 m=55
